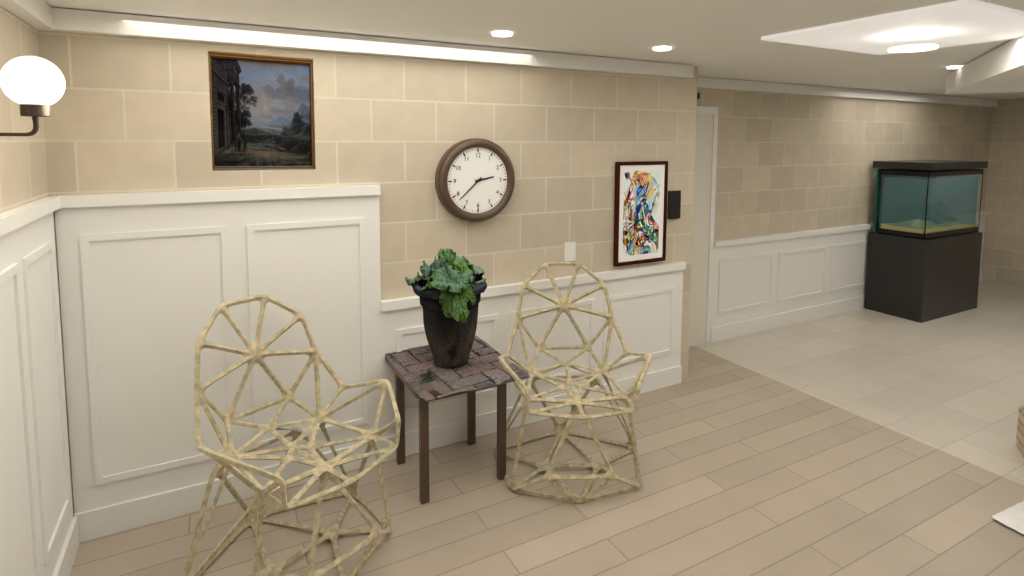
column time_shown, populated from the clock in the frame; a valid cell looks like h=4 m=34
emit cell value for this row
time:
h=2 m=38
